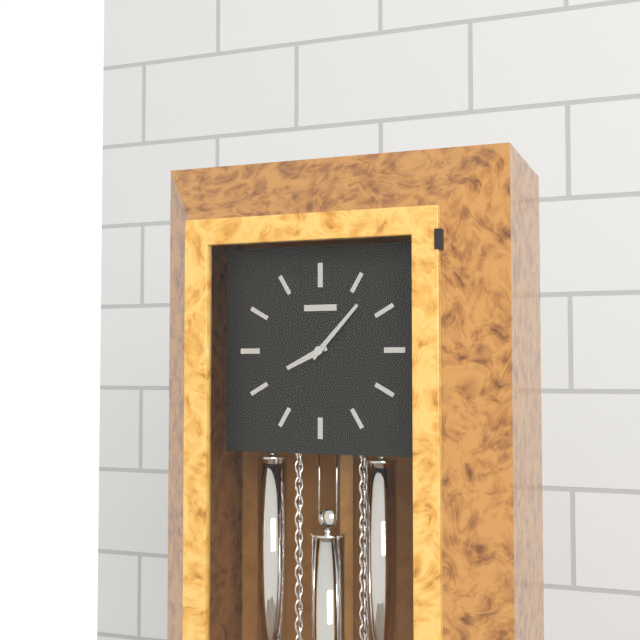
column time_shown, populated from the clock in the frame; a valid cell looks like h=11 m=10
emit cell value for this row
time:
h=8 m=7
